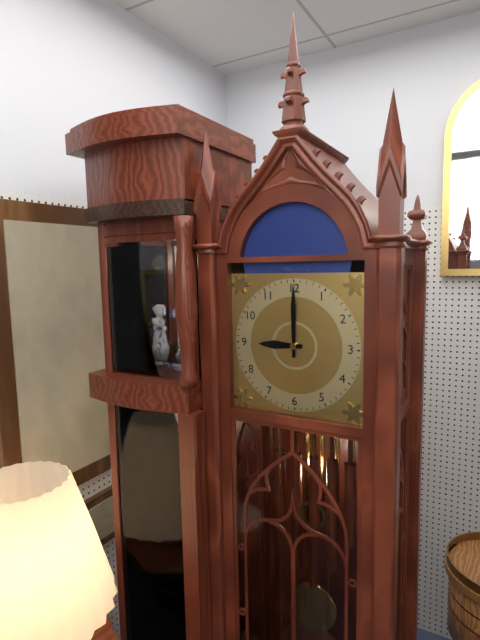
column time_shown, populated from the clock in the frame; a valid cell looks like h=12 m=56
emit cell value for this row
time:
h=9 m=0
